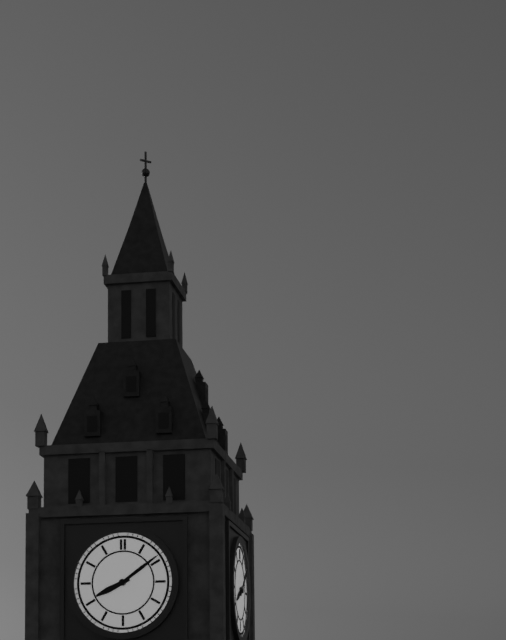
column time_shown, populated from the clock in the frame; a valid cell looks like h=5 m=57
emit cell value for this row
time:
h=8 m=9
